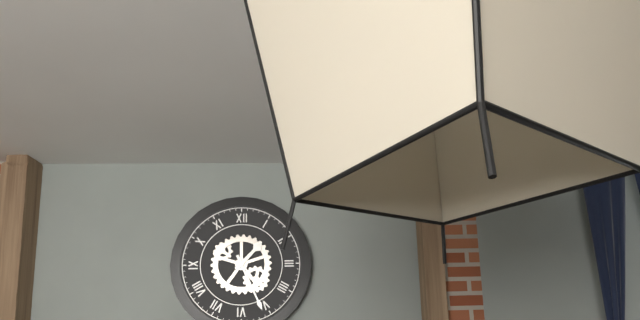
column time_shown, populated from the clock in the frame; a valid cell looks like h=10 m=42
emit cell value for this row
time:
h=1 m=26
